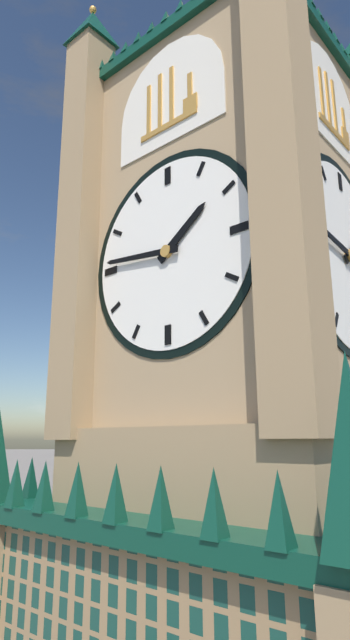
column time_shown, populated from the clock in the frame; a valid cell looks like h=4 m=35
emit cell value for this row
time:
h=1 m=46
